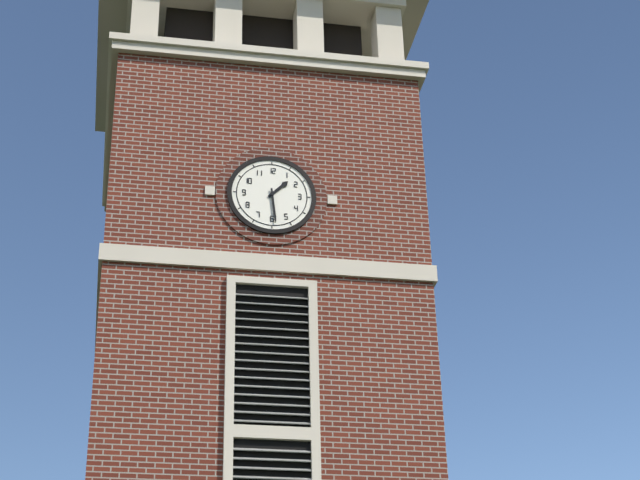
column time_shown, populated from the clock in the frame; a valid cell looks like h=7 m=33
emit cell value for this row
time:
h=1 m=29
